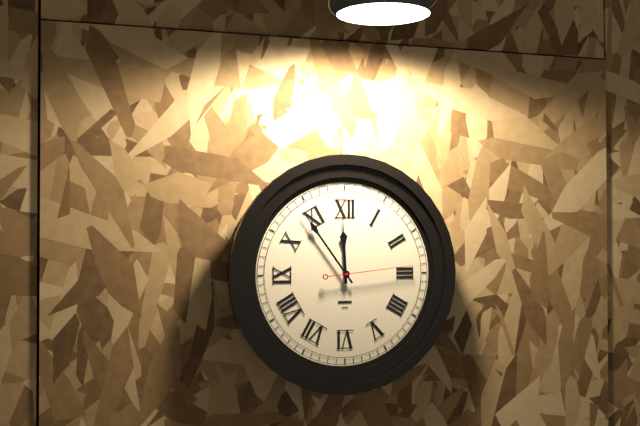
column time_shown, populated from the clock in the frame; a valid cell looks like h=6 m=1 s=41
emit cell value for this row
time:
h=11 m=54 s=14
